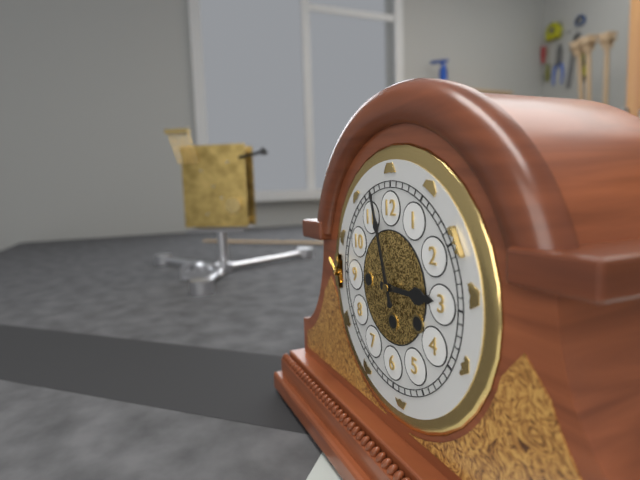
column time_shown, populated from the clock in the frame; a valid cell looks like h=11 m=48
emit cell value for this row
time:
h=2 m=57
